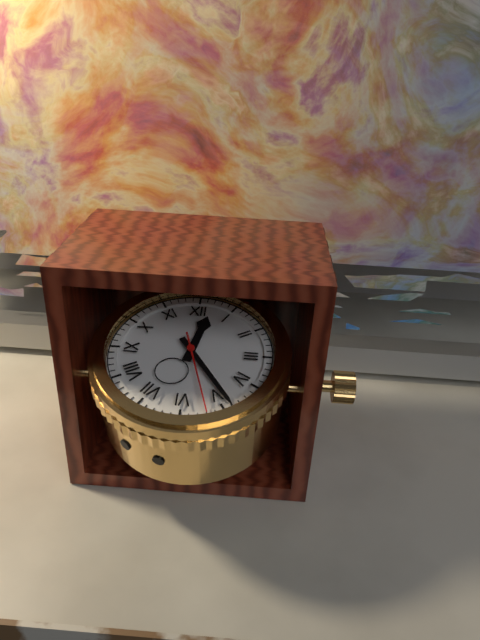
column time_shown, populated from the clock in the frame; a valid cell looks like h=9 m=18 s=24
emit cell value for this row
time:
h=12 m=24 s=27
